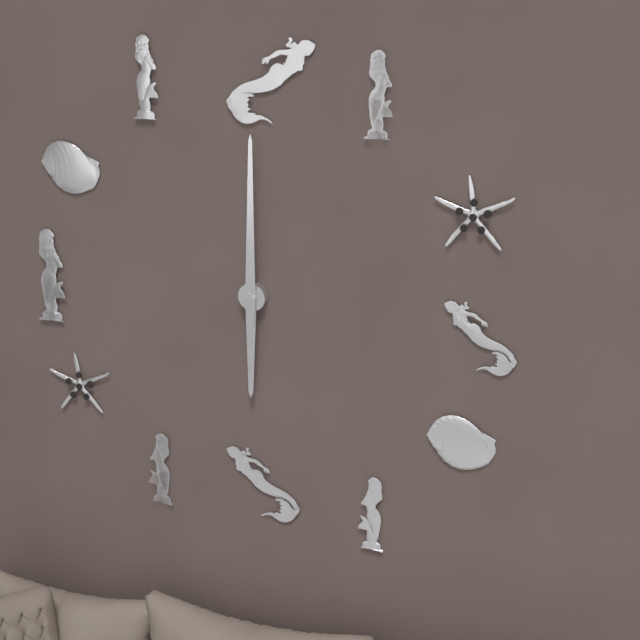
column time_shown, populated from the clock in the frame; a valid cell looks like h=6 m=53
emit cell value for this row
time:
h=6 m=0
